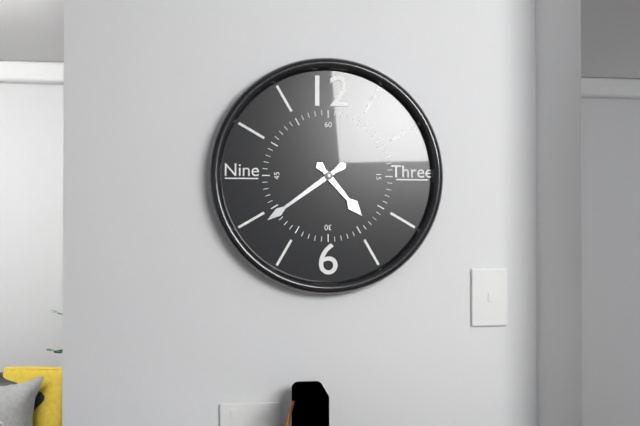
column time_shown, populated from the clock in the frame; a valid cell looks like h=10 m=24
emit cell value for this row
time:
h=4 m=39
